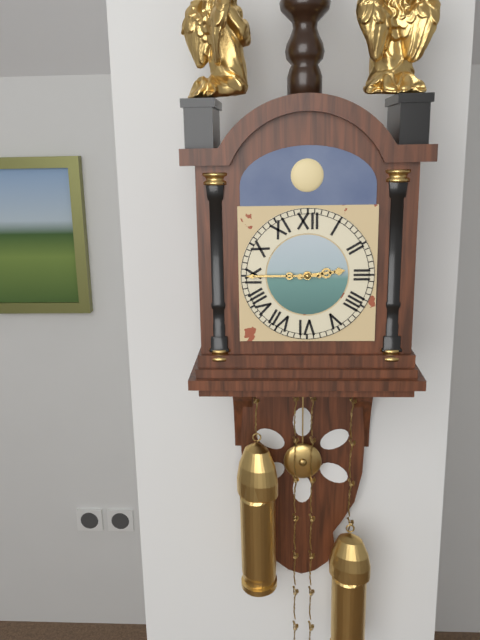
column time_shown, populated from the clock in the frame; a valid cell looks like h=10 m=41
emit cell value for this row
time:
h=2 m=45
